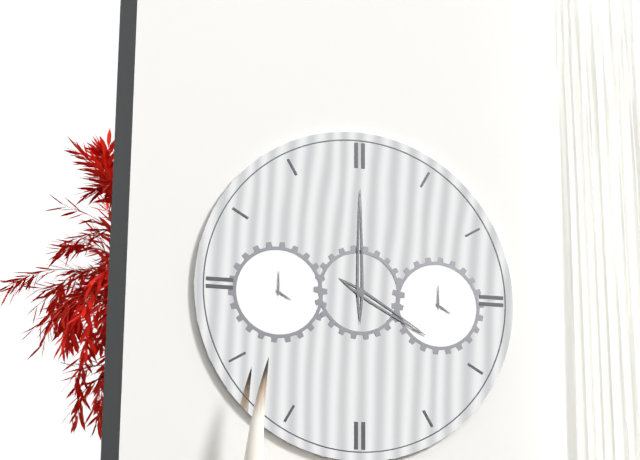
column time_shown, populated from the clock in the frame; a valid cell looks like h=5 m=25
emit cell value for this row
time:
h=4 m=0
